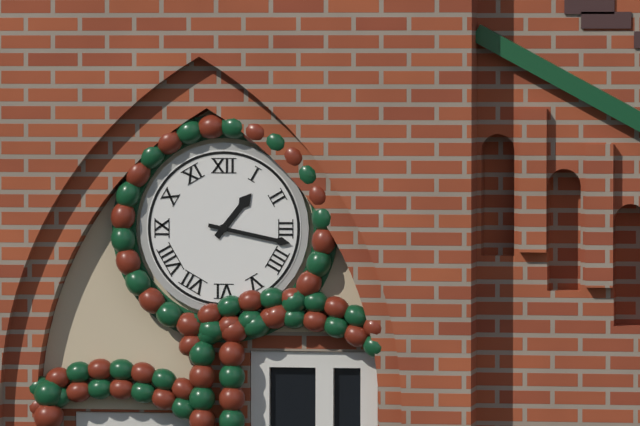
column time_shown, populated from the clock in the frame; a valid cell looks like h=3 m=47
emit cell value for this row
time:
h=1 m=17
